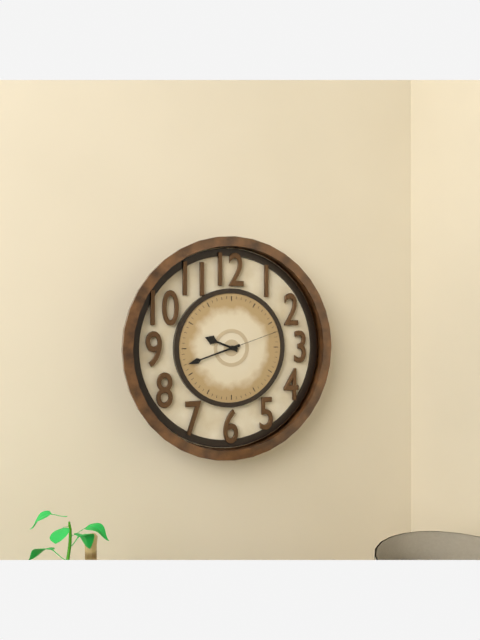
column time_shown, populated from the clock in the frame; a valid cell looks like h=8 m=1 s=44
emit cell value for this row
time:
h=9 m=42 s=12
